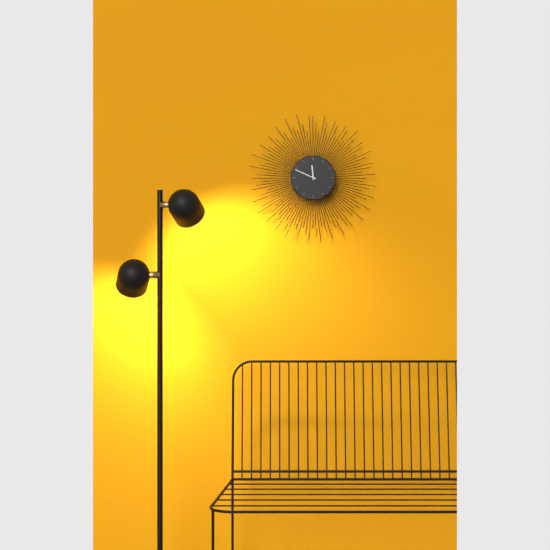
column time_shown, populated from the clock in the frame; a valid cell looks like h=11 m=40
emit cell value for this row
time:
h=11 m=49
